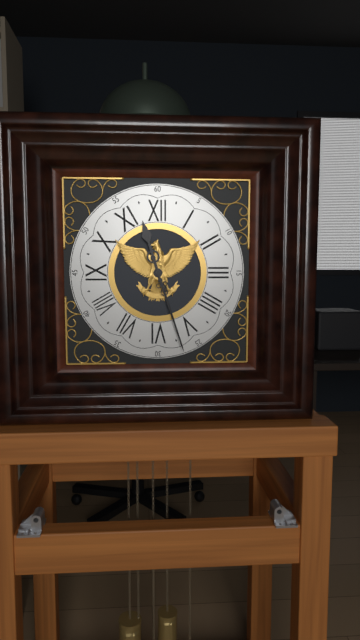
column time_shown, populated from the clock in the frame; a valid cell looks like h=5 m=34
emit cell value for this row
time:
h=11 m=27
